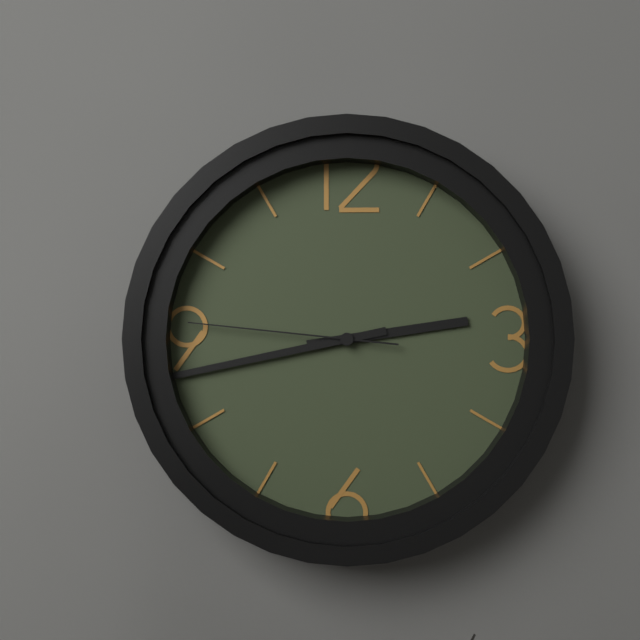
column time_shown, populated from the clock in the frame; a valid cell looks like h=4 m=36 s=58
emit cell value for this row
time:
h=2 m=43 s=46
